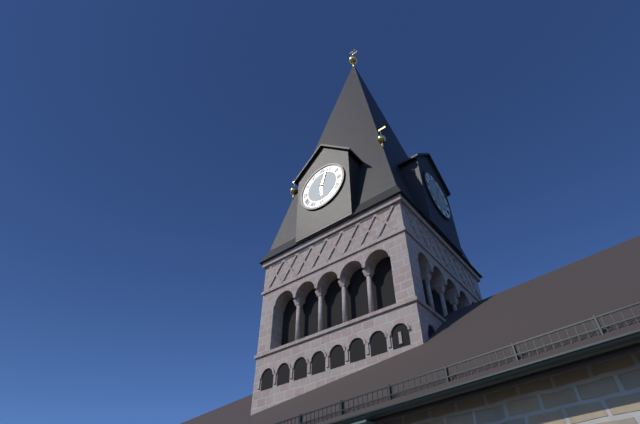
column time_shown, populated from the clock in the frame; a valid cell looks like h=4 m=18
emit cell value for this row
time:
h=6 m=3
